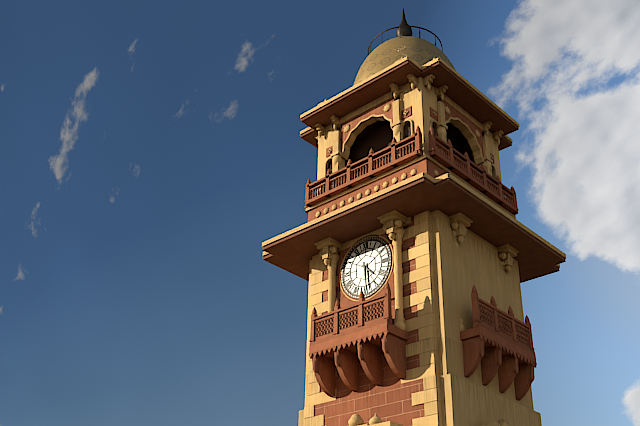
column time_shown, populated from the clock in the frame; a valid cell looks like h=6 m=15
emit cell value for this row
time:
h=4 m=29
